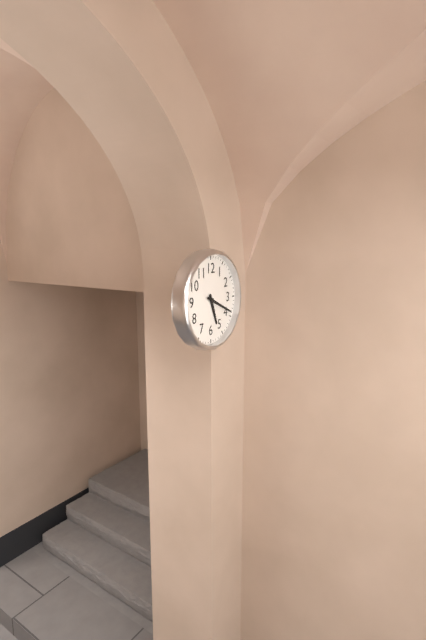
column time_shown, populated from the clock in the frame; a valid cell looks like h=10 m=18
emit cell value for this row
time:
h=5 m=19
